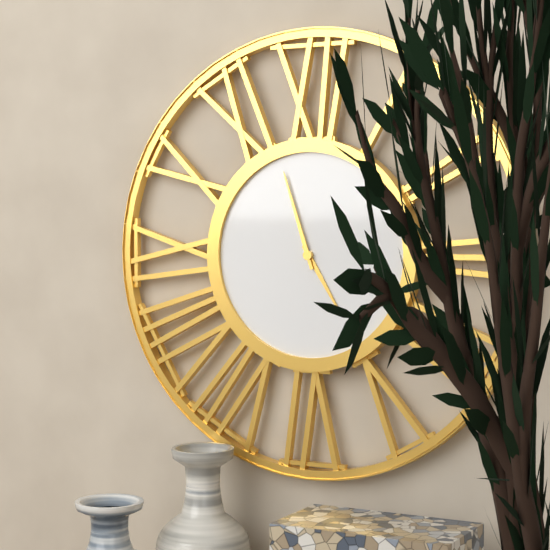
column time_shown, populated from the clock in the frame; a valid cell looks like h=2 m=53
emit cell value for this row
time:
h=4 m=57
